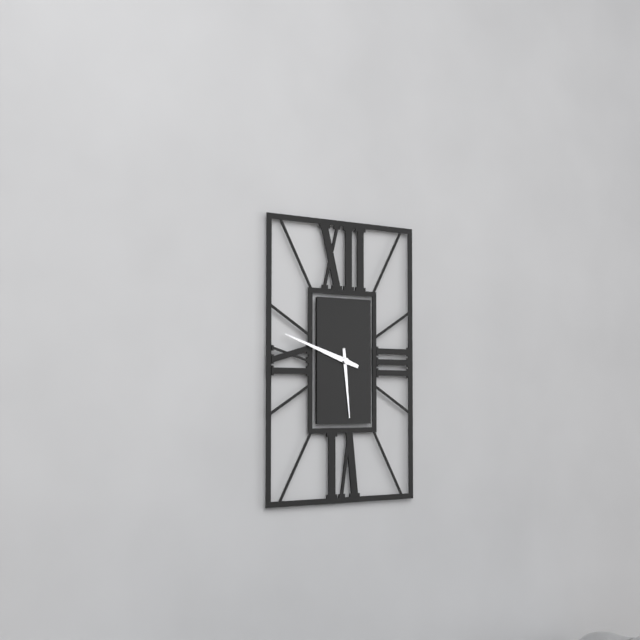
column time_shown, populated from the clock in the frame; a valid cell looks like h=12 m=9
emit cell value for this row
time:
h=5 m=48
